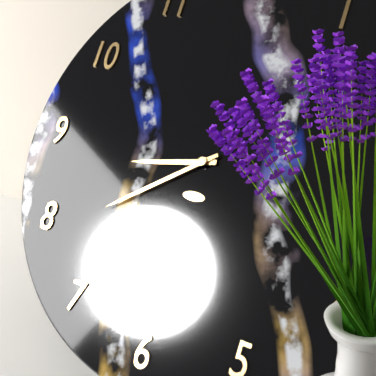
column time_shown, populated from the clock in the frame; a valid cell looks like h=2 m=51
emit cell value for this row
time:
h=8 m=39
